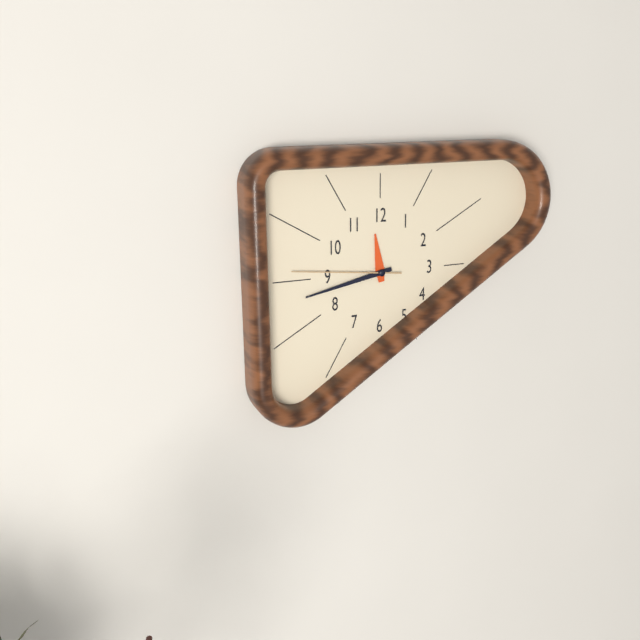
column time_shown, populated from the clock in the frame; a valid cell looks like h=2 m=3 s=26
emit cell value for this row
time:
h=11 m=43 s=46
